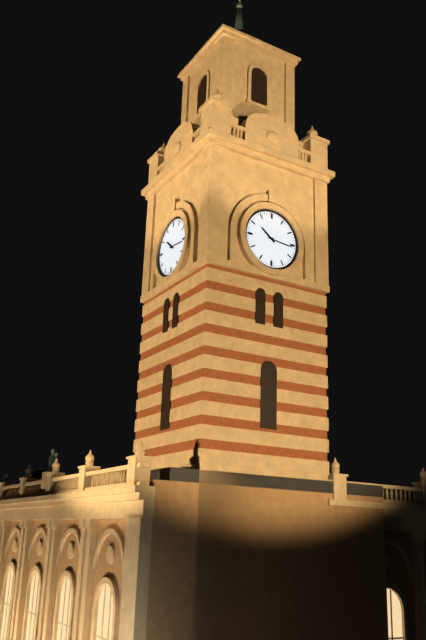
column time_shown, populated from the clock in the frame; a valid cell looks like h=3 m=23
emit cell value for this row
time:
h=10 m=16
